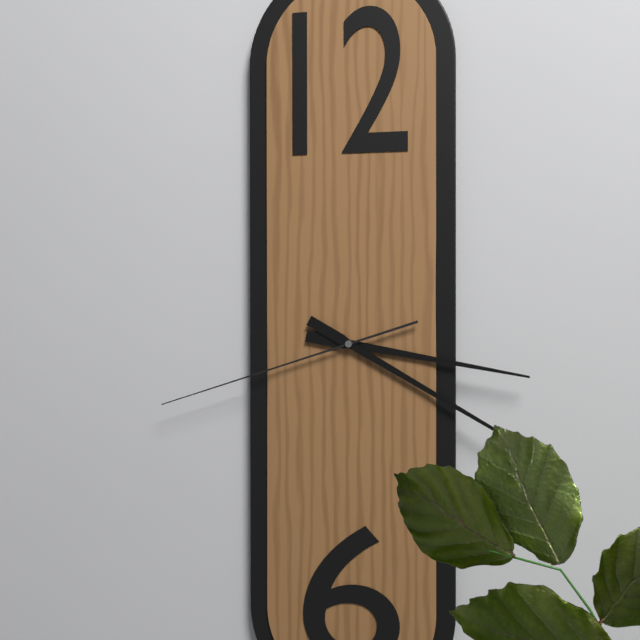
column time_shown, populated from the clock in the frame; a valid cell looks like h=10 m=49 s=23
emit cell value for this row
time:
h=3 m=20 s=42
